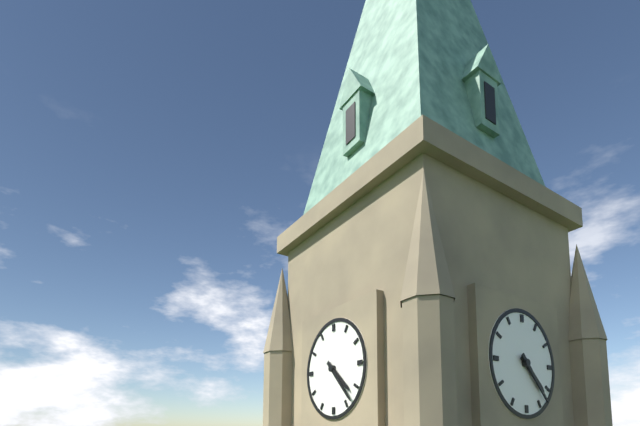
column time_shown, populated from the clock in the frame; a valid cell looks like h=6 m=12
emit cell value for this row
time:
h=4 m=23
